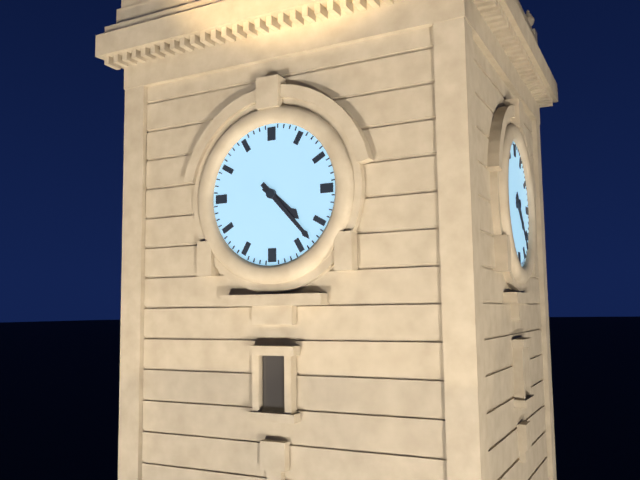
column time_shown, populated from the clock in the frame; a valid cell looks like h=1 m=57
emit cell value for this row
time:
h=4 m=23
